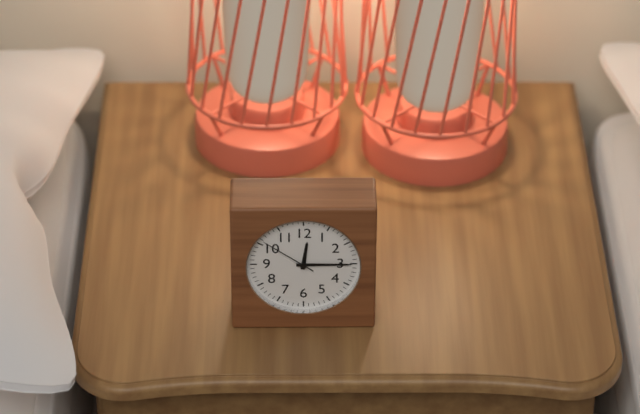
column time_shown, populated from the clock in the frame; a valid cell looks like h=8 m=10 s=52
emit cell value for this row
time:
h=12 m=15 s=51
